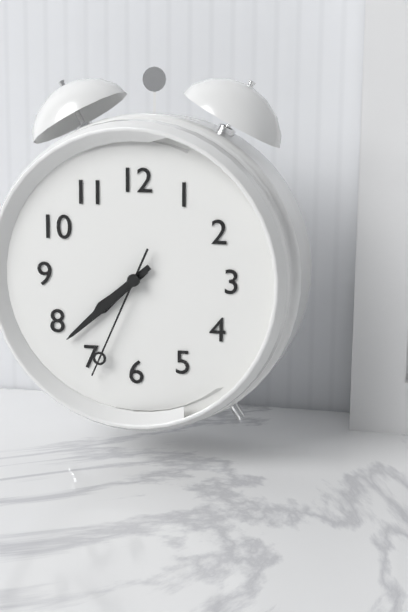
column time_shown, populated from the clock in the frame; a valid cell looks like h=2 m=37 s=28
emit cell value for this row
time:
h=7 m=38 s=34
